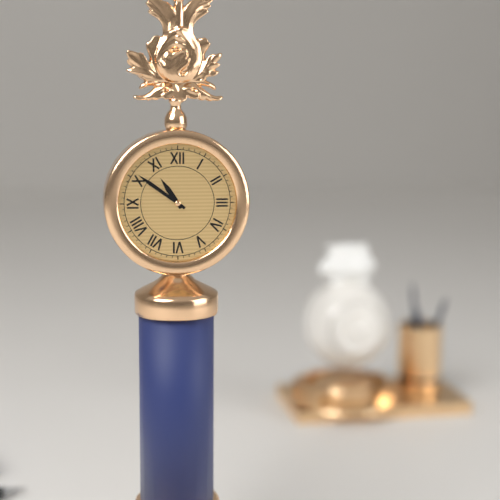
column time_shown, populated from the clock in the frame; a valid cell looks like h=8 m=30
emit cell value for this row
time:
h=10 m=51
